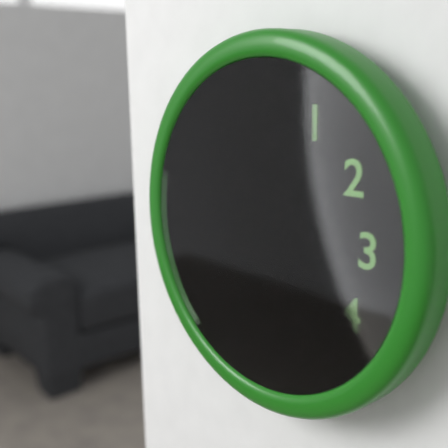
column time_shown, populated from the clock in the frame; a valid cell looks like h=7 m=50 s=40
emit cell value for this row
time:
h=7 m=45 s=27
